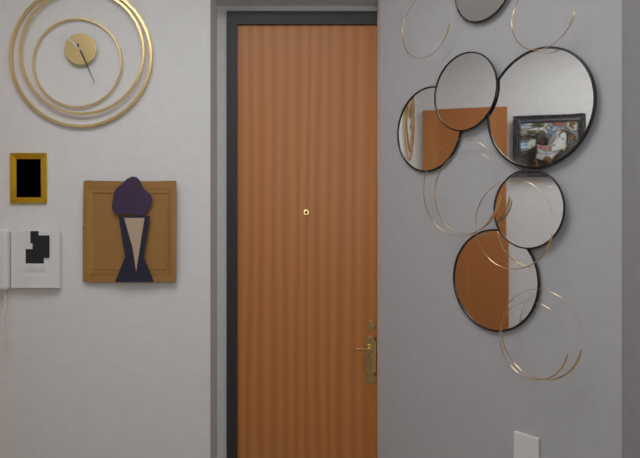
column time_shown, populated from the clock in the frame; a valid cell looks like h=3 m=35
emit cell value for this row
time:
h=10 m=26
